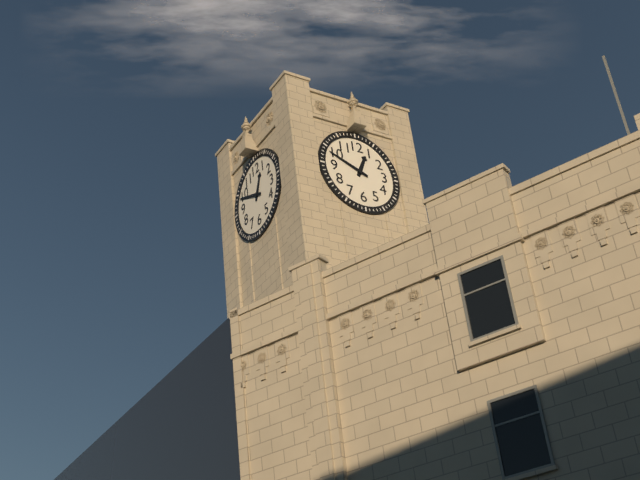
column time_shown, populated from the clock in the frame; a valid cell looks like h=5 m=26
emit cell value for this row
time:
h=12 m=49
